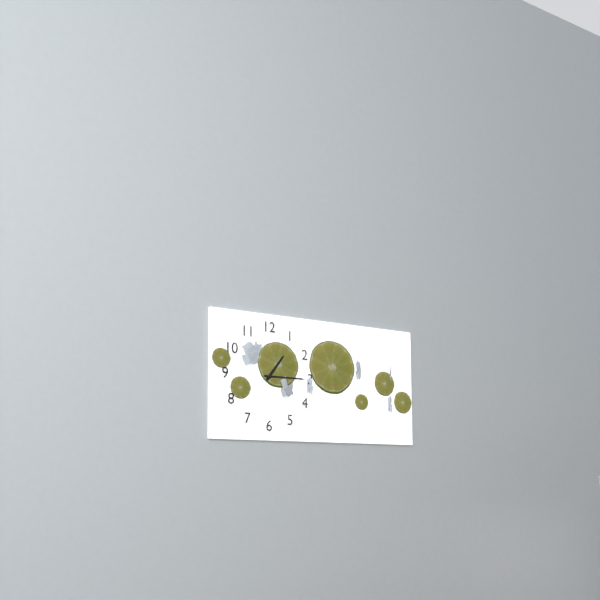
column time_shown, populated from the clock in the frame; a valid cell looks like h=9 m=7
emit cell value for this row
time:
h=1 m=15
